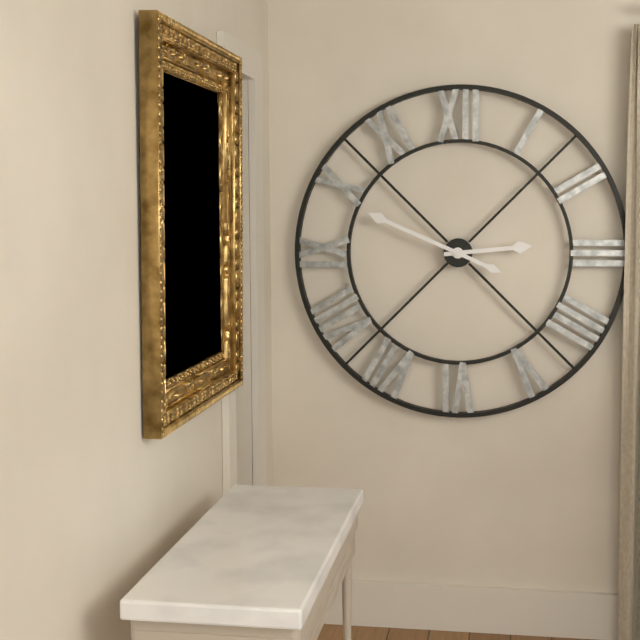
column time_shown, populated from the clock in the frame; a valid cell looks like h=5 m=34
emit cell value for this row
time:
h=2 m=49
